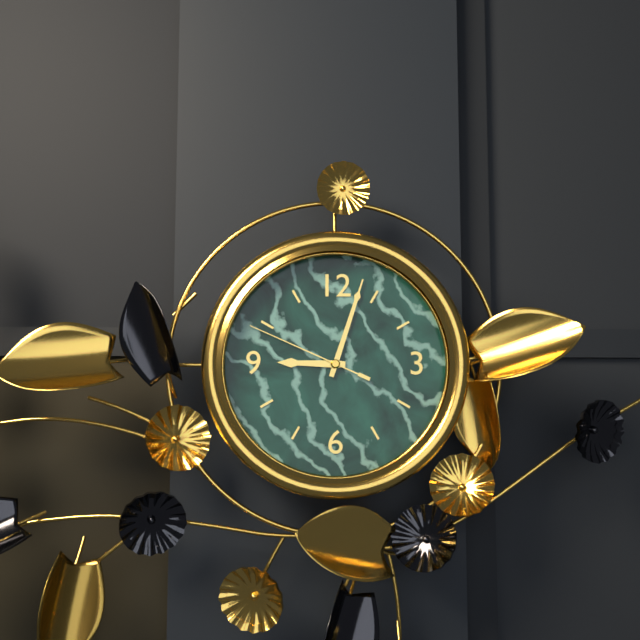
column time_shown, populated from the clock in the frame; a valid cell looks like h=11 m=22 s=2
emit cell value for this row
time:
h=9 m=3 s=49
